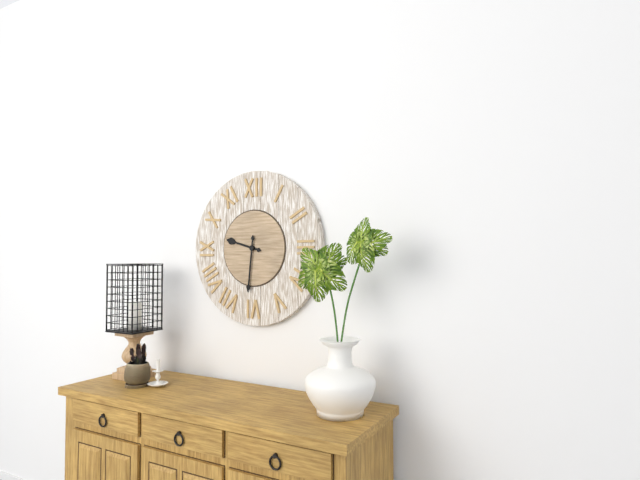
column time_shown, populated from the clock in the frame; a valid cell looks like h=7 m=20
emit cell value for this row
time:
h=9 m=31
